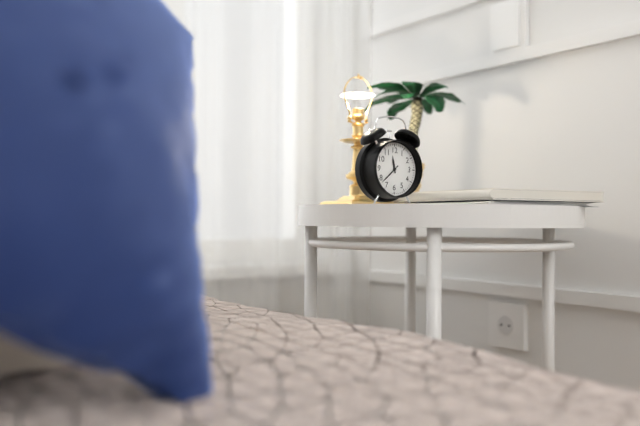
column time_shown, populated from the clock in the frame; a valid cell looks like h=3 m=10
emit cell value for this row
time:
h=11 m=38
